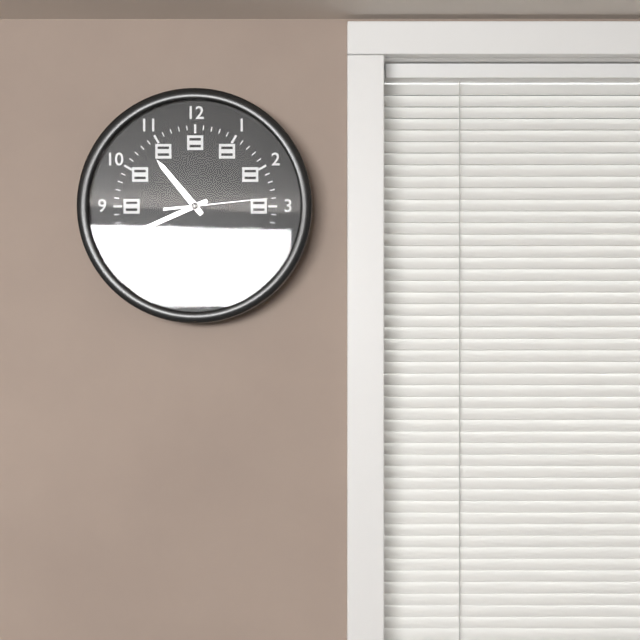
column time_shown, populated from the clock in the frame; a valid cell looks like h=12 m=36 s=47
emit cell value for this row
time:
h=10 m=41 s=14
